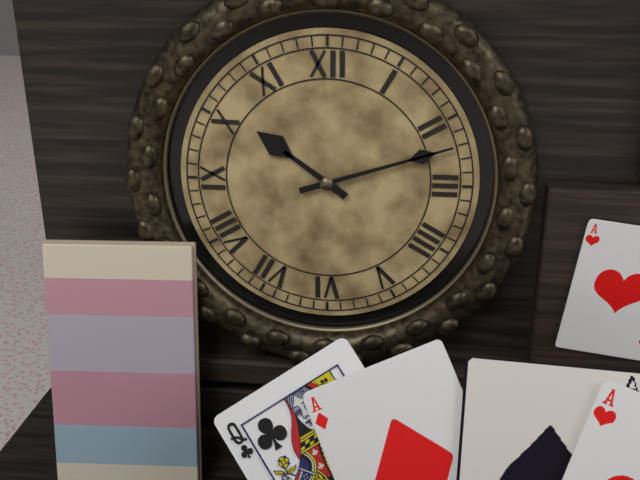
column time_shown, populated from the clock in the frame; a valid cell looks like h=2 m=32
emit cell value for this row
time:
h=10 m=12
